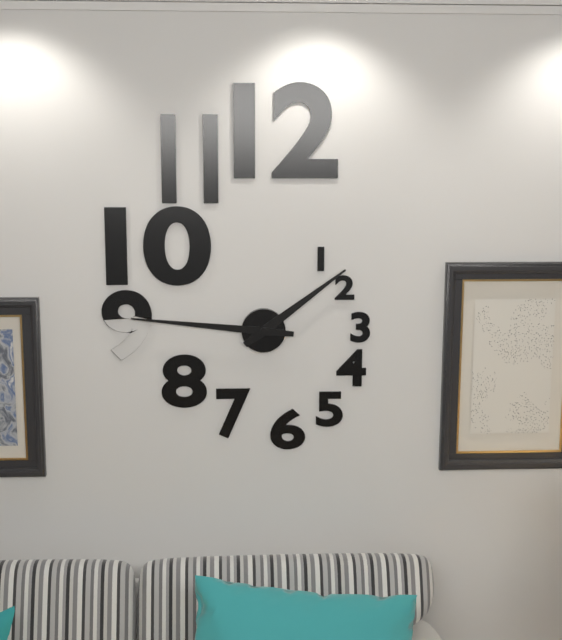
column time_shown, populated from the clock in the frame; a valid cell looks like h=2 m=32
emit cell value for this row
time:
h=1 m=46
